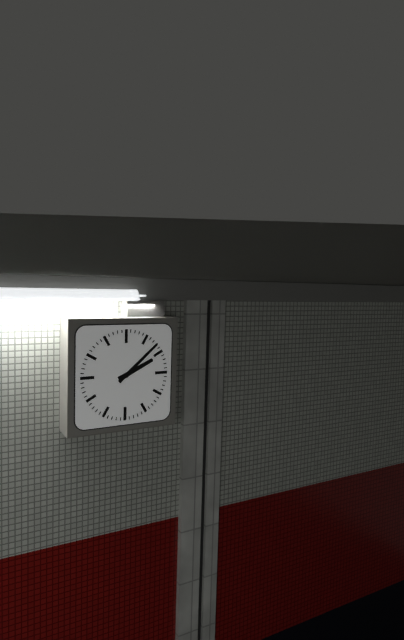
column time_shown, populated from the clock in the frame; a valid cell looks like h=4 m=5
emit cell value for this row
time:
h=2 m=8
